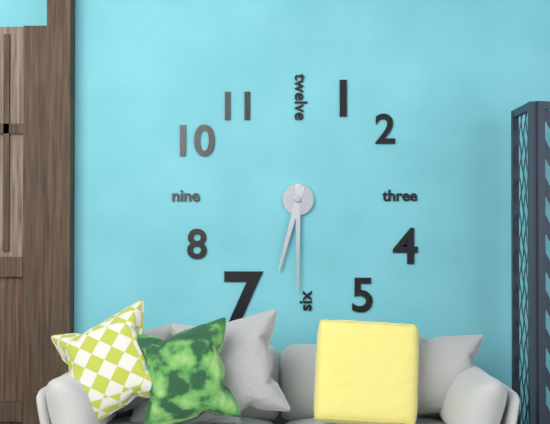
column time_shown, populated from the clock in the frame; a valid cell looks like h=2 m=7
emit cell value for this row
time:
h=6 m=30
